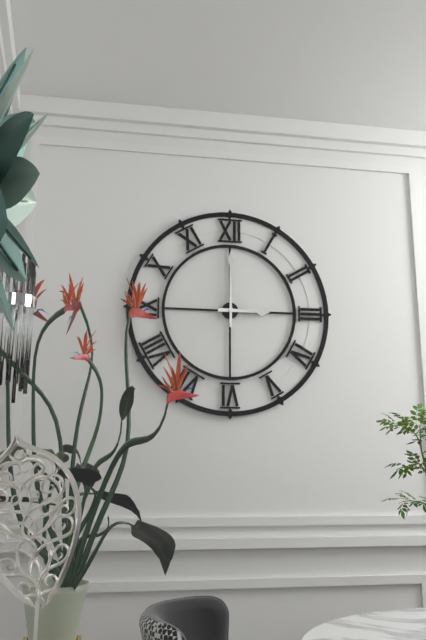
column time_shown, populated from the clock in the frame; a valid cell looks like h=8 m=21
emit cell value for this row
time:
h=3 m=0
